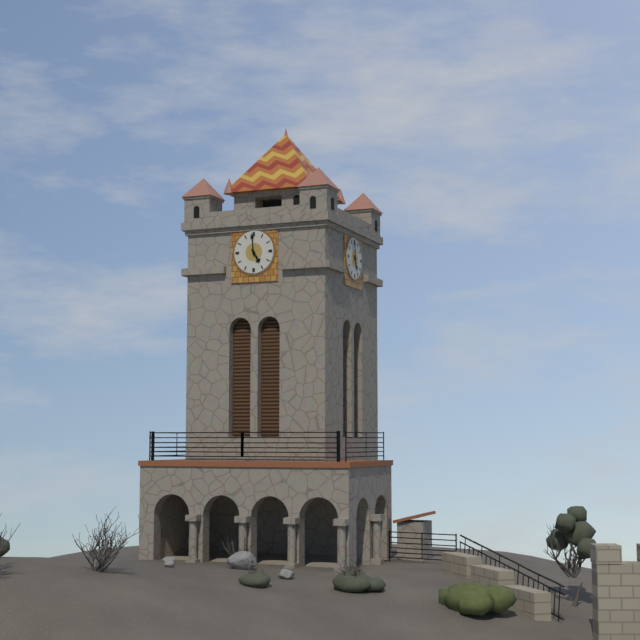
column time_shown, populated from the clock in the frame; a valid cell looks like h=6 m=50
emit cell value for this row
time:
h=4 m=59
